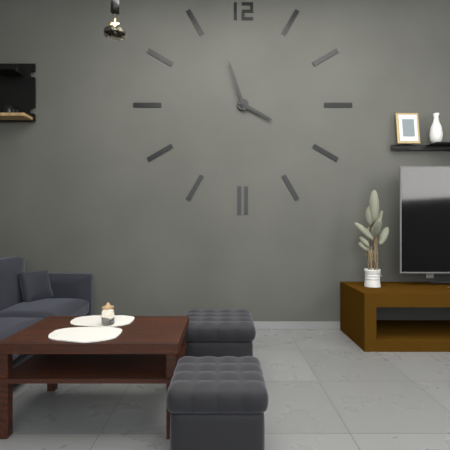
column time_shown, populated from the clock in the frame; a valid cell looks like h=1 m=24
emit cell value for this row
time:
h=3 m=57
